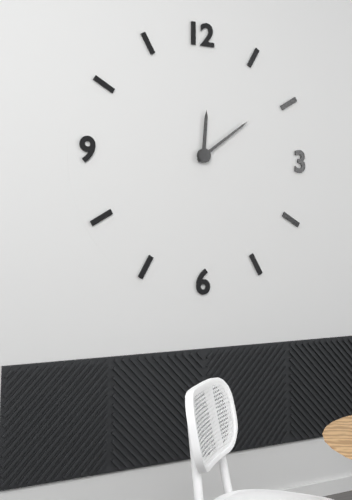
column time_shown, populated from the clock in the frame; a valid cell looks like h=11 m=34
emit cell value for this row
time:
h=12 m=9
